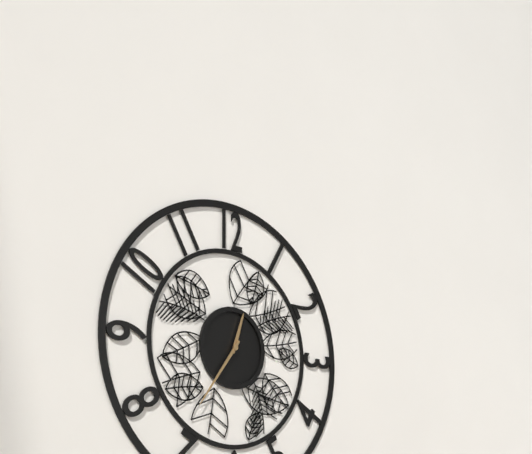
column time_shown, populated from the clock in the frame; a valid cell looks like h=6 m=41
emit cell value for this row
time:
h=12 m=36
